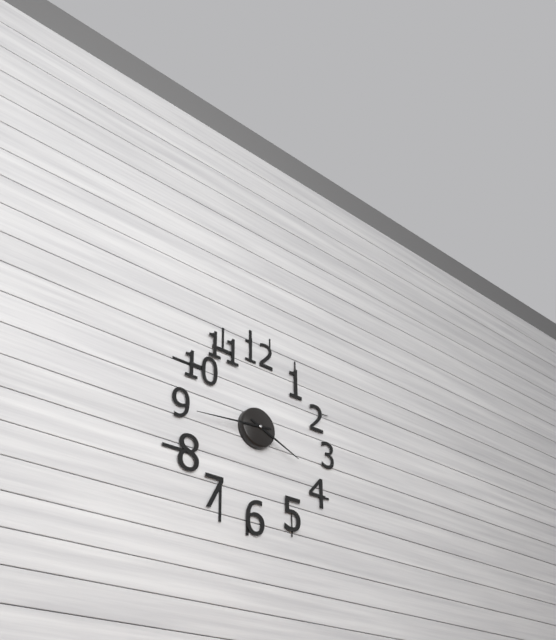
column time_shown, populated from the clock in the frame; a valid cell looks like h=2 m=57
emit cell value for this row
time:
h=3 m=44
